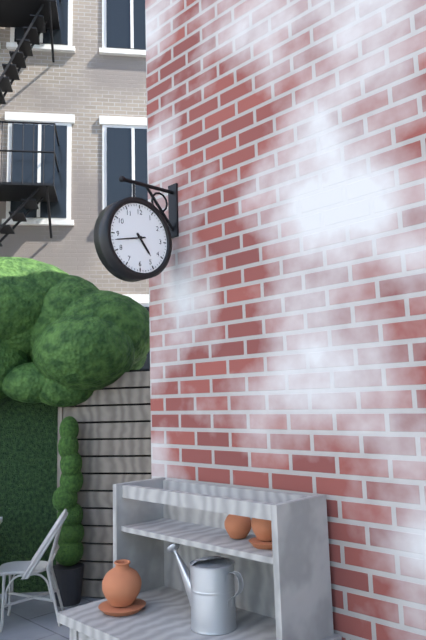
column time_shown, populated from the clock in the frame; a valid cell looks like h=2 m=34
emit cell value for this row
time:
h=4 m=43
